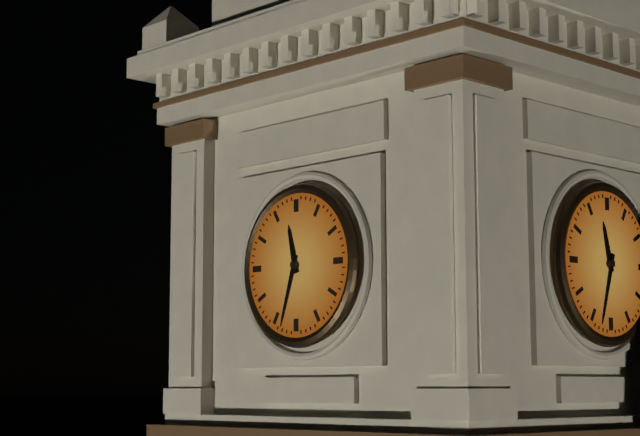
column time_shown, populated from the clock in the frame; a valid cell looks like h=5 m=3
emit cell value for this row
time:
h=11 m=33
